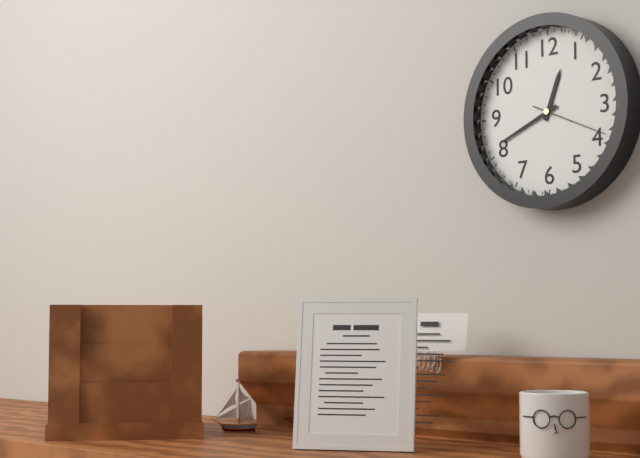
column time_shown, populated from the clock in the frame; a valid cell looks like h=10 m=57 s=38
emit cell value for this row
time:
h=12 m=41 s=19
